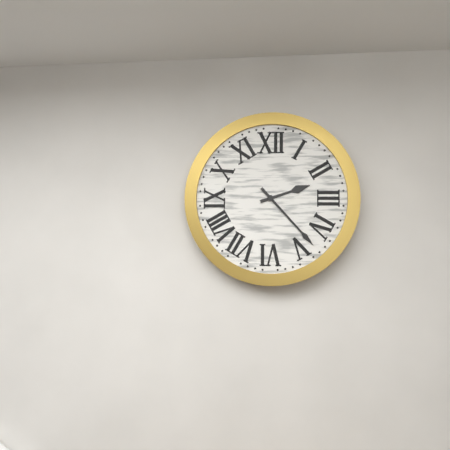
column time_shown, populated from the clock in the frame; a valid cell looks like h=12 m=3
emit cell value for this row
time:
h=2 m=23
